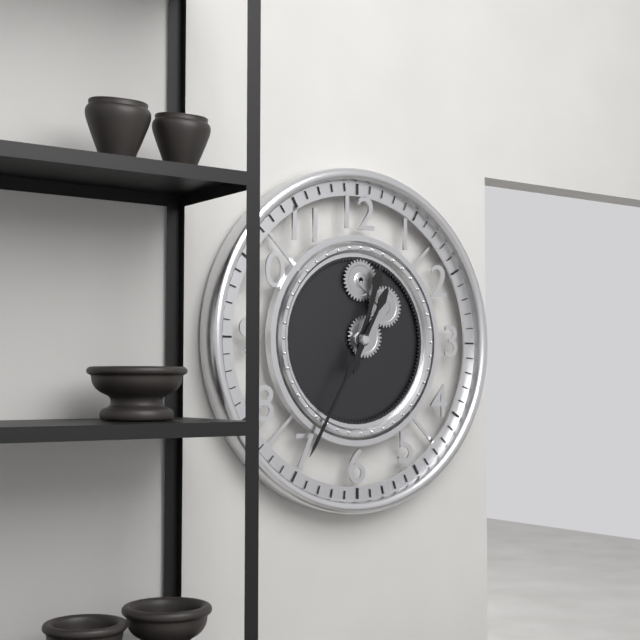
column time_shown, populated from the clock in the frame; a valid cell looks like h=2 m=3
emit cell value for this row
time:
h=12 m=35
